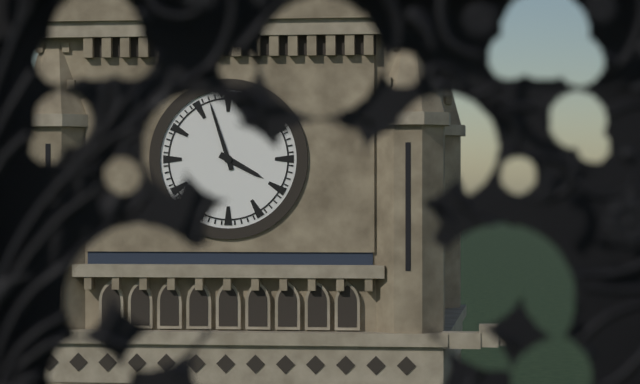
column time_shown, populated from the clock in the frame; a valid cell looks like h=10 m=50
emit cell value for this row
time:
h=3 m=57
